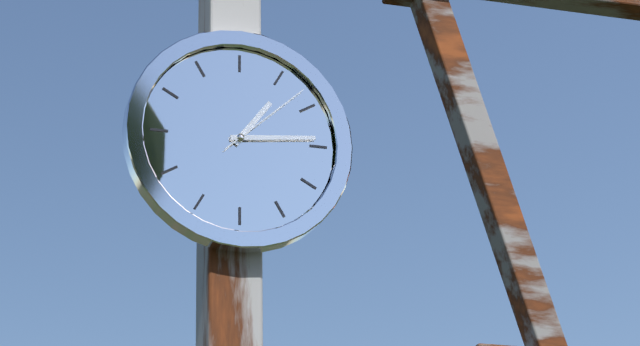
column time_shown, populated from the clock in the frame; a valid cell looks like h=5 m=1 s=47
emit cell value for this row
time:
h=1 m=14 s=8
